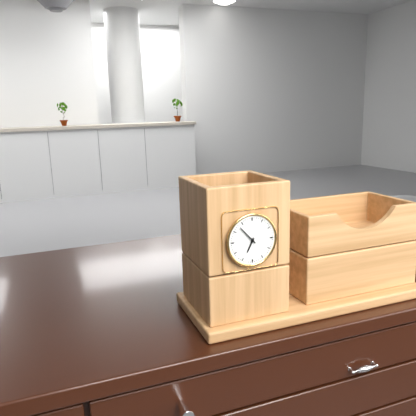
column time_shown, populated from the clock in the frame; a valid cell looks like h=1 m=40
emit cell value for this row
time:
h=6 m=53
